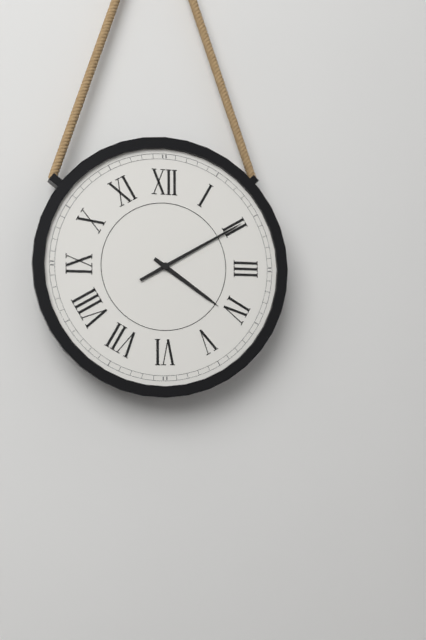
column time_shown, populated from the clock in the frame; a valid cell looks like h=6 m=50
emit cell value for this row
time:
h=4 m=10
